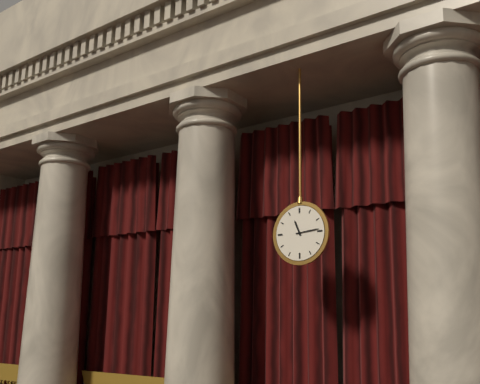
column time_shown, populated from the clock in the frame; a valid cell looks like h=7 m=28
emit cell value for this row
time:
h=11 m=14
